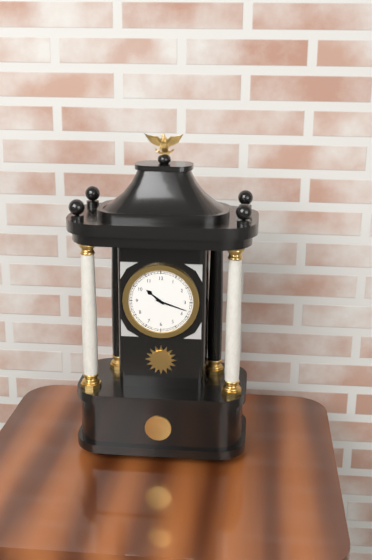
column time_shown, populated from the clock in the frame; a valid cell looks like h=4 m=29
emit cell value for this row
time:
h=10 m=18
